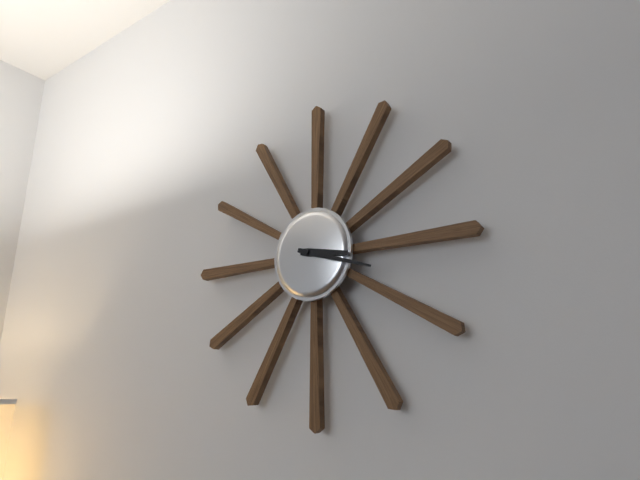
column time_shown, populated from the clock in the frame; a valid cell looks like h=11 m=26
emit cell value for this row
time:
h=3 m=18
